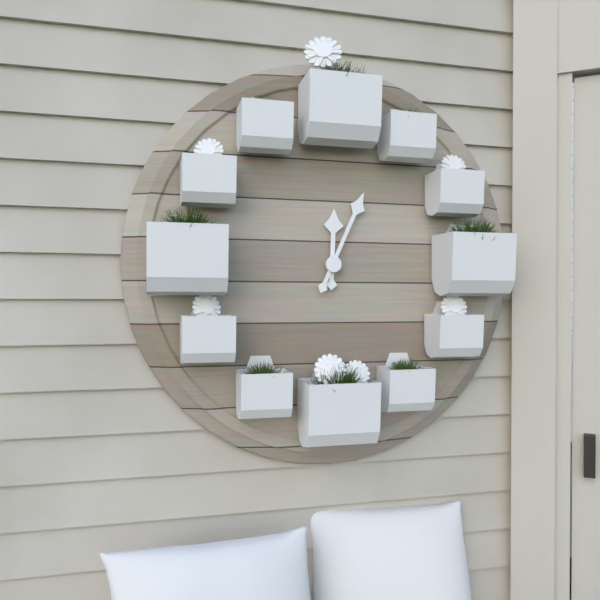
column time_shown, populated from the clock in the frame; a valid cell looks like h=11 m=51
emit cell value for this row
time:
h=12 m=4
